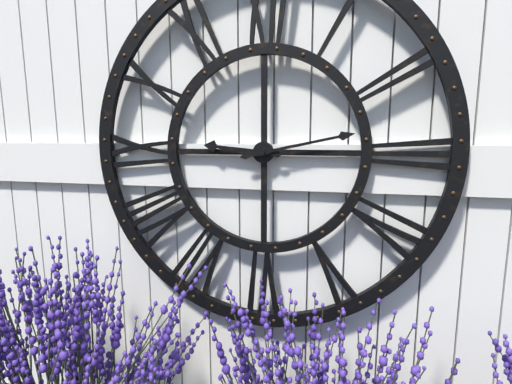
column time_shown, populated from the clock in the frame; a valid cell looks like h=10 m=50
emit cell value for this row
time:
h=9 m=13
